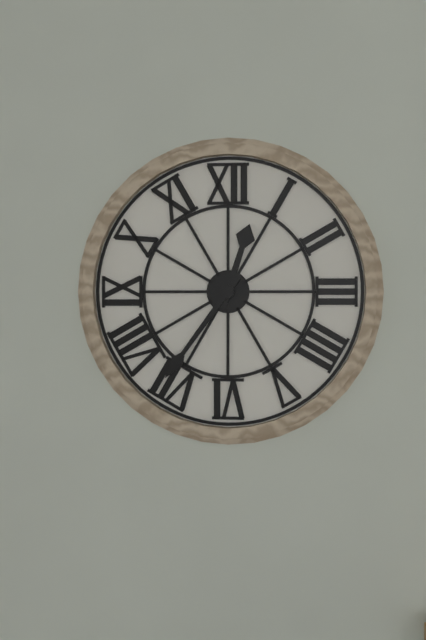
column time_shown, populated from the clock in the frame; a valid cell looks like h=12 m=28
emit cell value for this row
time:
h=12 m=36
